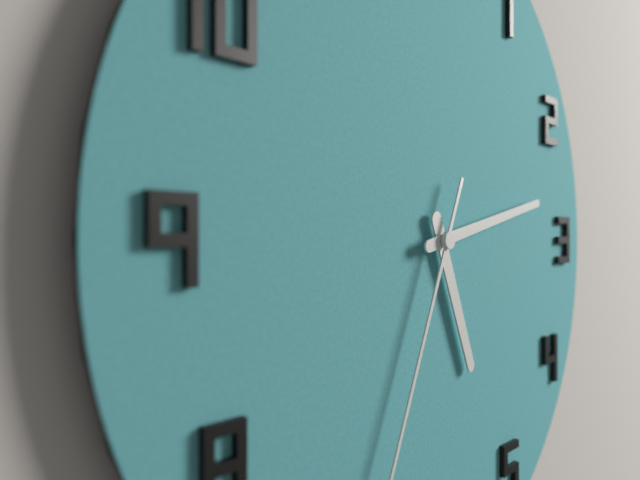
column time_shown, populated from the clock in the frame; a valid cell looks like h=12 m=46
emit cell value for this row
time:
h=5 m=13
